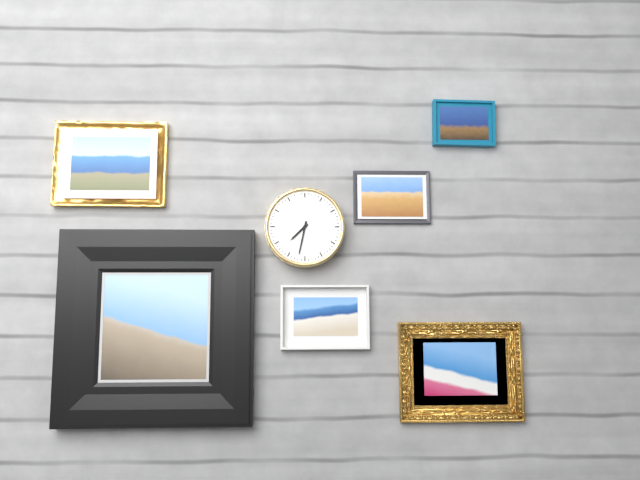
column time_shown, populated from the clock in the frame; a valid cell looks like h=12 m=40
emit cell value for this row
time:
h=7 m=32
